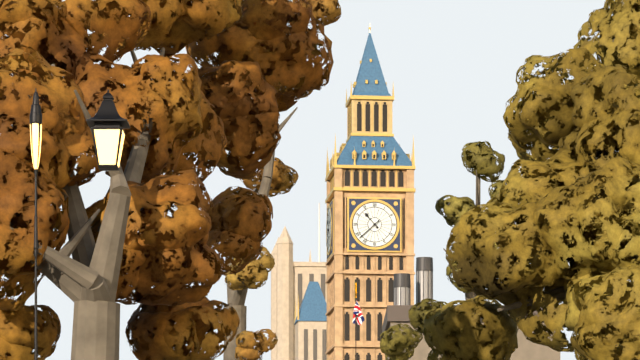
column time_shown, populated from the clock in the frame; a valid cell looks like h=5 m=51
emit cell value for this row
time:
h=10 m=38
